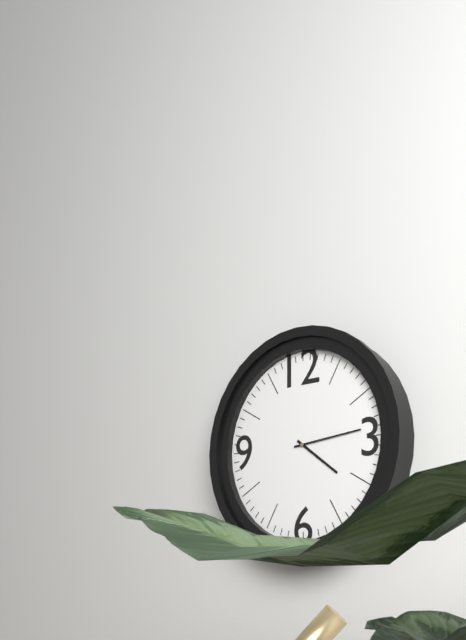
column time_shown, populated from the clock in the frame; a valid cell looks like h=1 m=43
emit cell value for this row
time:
h=4 m=14
